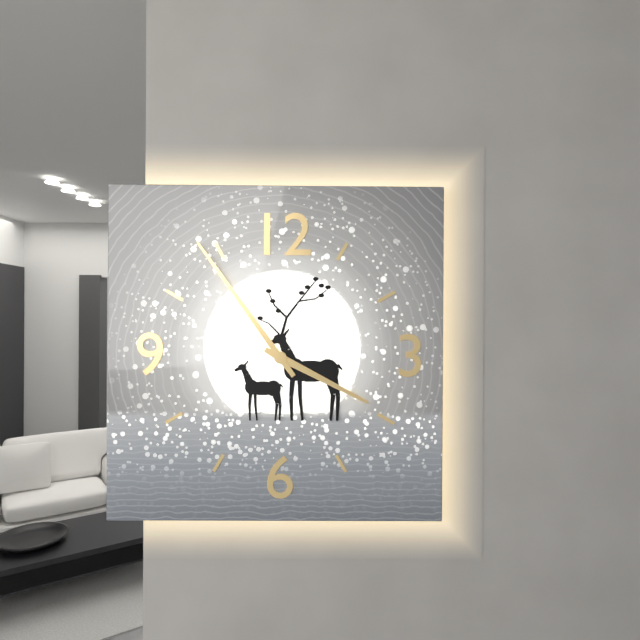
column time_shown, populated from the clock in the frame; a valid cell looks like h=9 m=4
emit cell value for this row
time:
h=3 m=54
